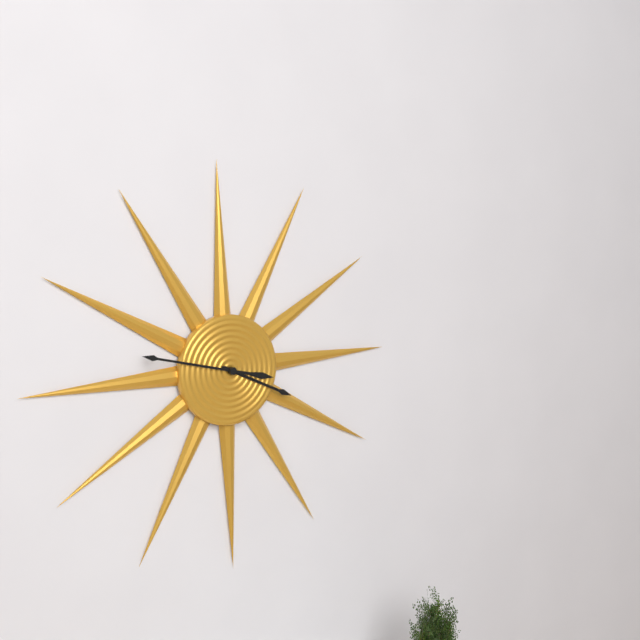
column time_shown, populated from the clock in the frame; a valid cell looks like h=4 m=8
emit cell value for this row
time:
h=3 m=47
